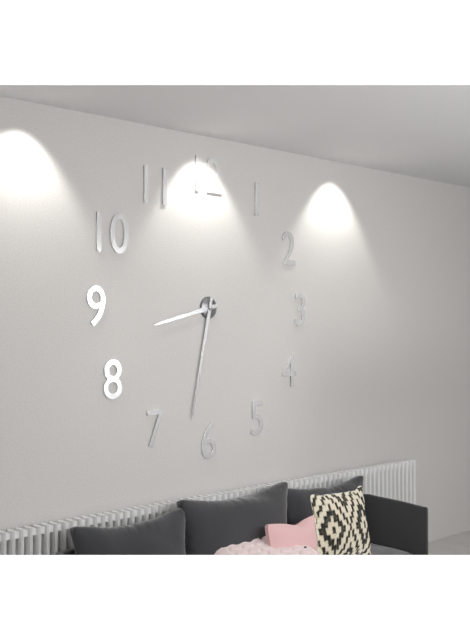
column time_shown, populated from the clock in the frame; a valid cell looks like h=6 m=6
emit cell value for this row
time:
h=8 m=32
